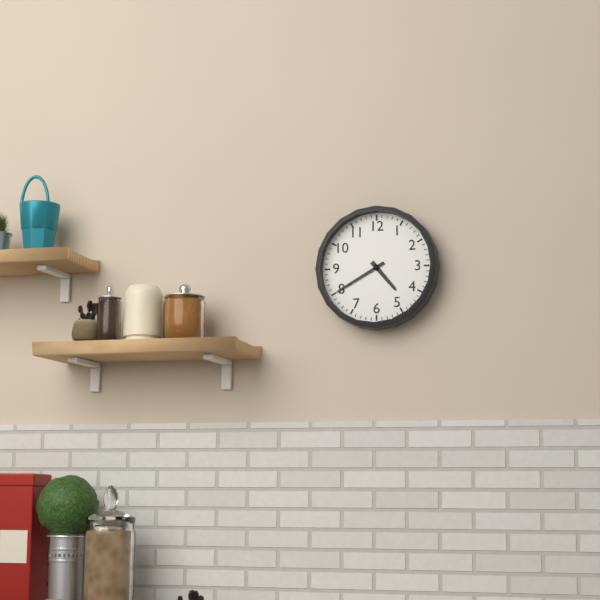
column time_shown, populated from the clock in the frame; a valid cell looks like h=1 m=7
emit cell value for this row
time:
h=4 m=40
